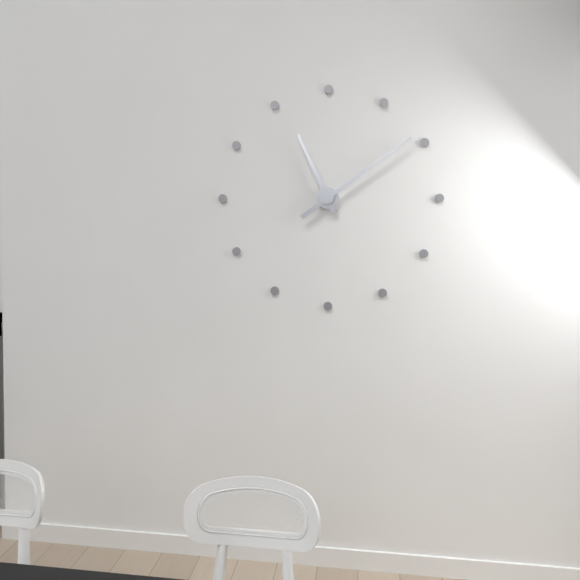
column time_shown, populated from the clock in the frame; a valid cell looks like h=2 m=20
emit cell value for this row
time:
h=11 m=9
